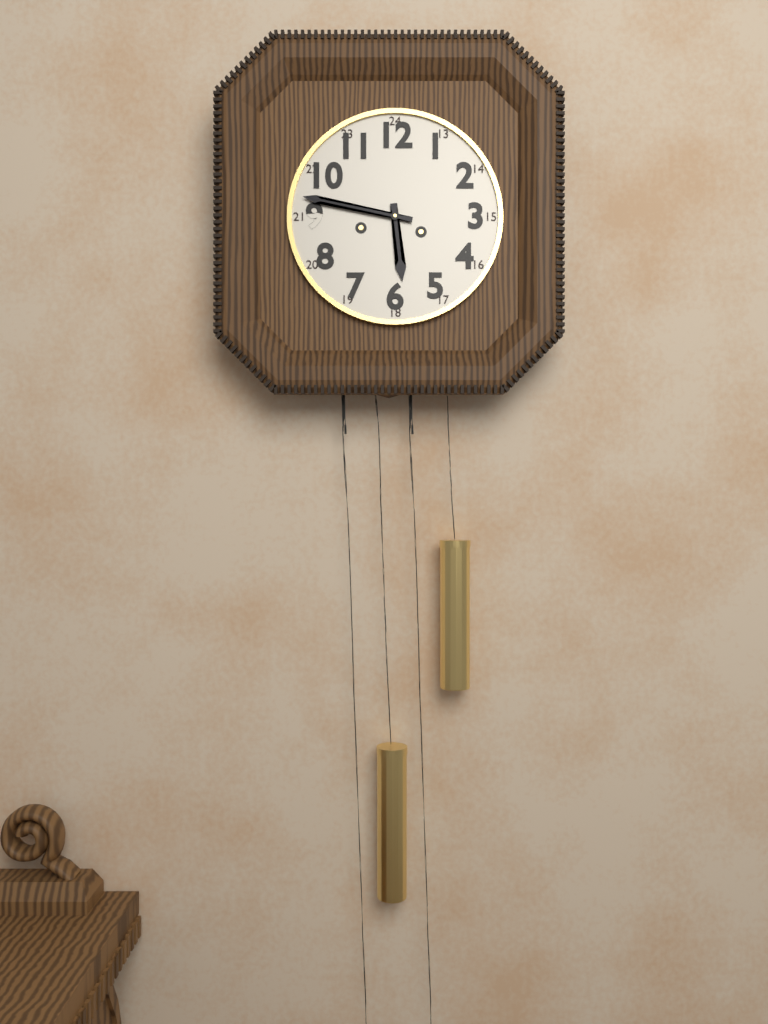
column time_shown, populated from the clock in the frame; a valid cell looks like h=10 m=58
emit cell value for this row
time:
h=5 m=47
